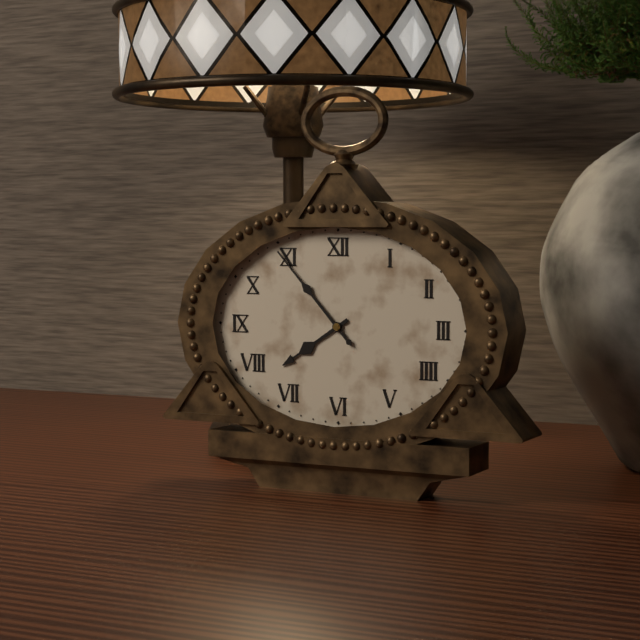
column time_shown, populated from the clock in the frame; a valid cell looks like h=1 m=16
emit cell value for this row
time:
h=7 m=53
